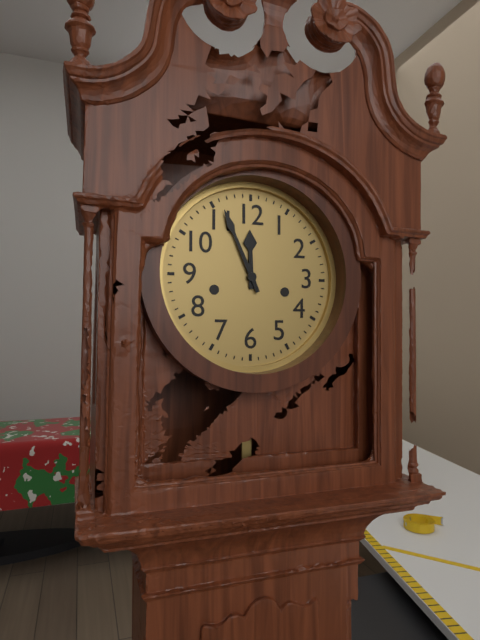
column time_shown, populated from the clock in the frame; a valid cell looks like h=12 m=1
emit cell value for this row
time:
h=11 m=56
